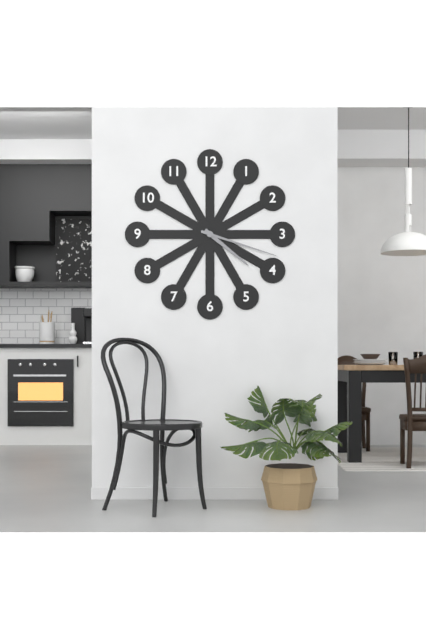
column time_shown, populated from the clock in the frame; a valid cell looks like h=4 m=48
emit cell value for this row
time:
h=4 m=18
